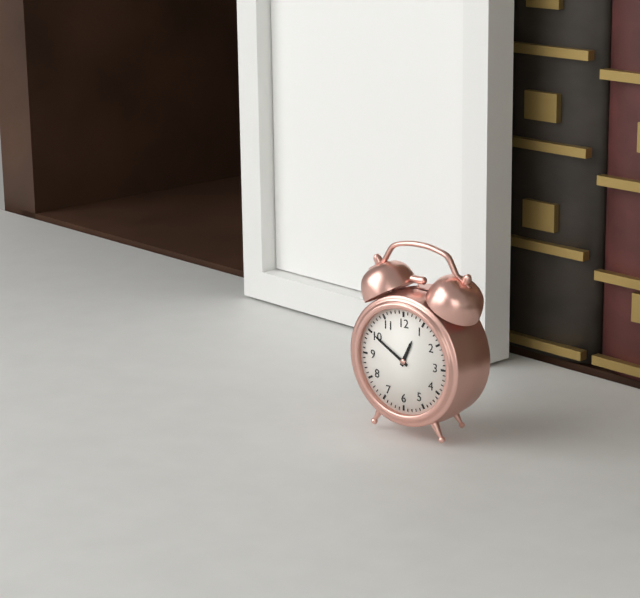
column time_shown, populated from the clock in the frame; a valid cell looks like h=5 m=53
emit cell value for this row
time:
h=12 m=50
